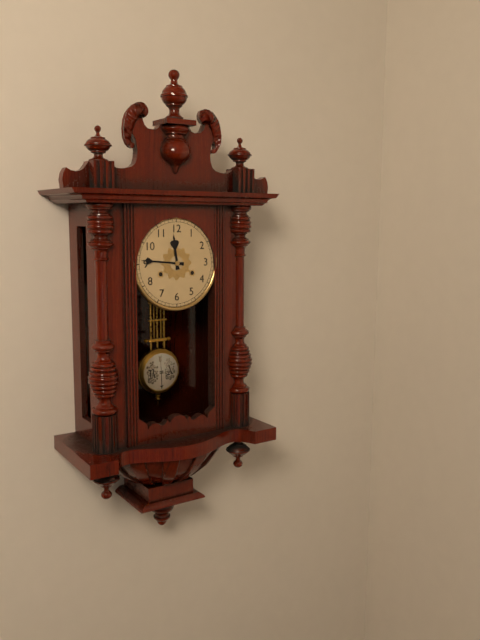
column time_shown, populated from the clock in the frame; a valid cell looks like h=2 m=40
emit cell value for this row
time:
h=11 m=46
